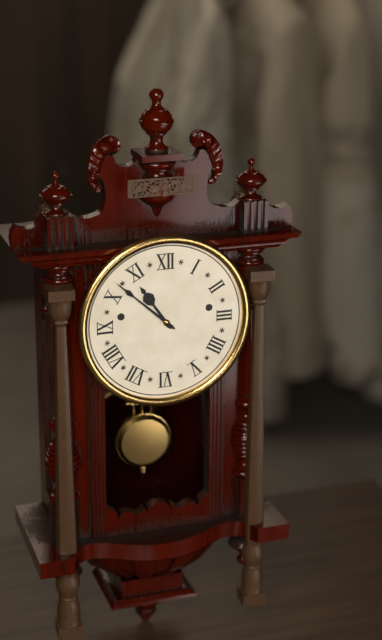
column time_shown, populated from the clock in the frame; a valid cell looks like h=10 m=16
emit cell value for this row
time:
h=10 m=52
